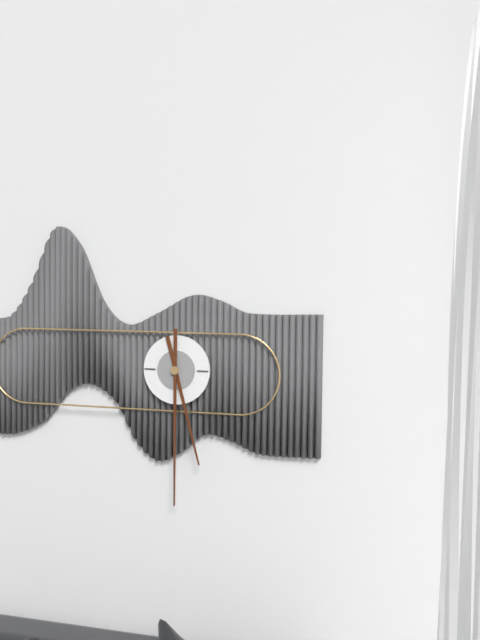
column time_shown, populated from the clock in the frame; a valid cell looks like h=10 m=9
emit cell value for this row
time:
h=5 m=30
